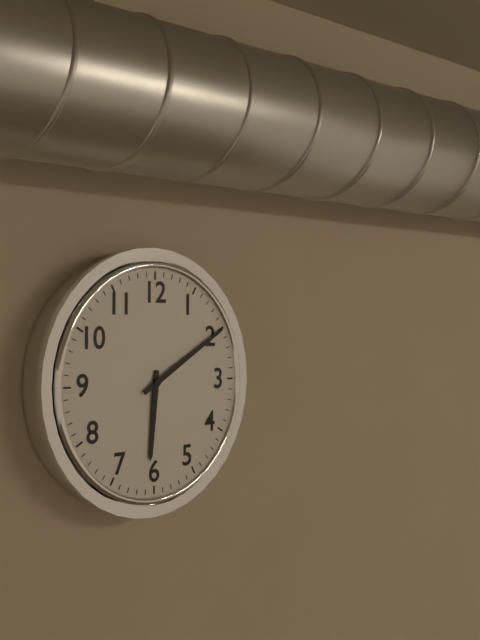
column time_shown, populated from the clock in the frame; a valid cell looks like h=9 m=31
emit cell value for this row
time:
h=6 m=10
